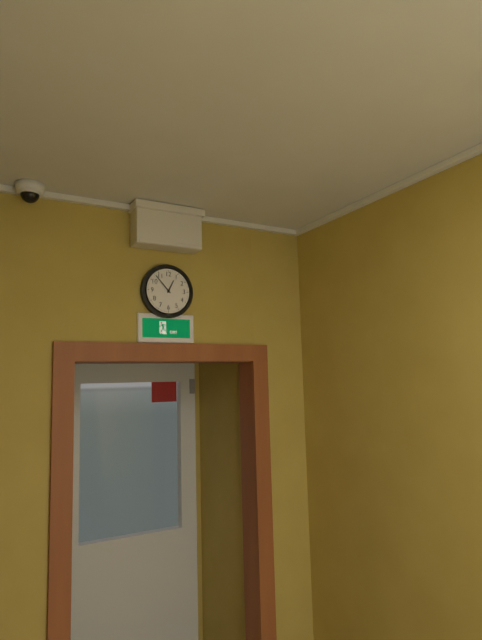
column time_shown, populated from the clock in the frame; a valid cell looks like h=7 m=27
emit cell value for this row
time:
h=12 m=53
